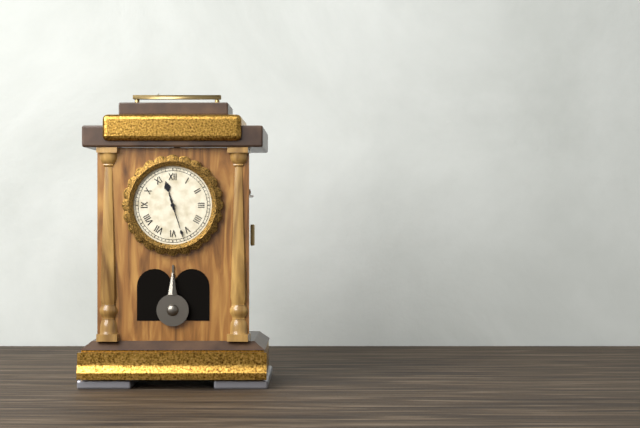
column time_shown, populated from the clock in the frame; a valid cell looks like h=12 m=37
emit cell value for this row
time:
h=11 m=27
